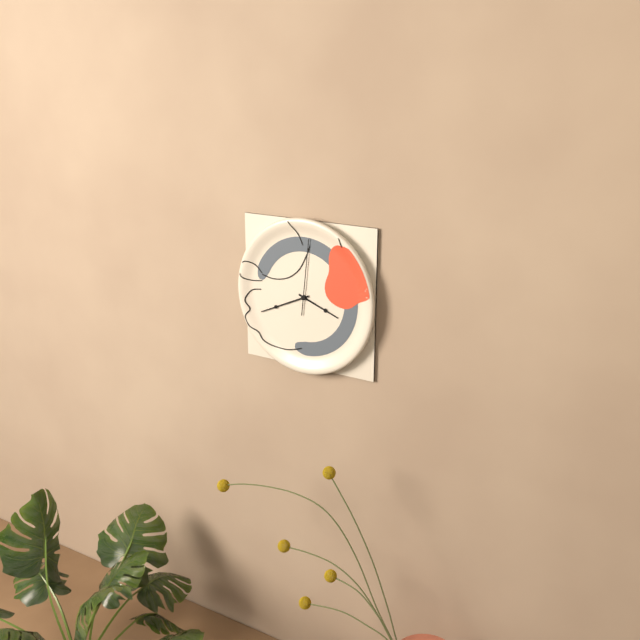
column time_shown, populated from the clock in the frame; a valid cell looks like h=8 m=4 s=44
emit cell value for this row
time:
h=3 m=41 s=1
